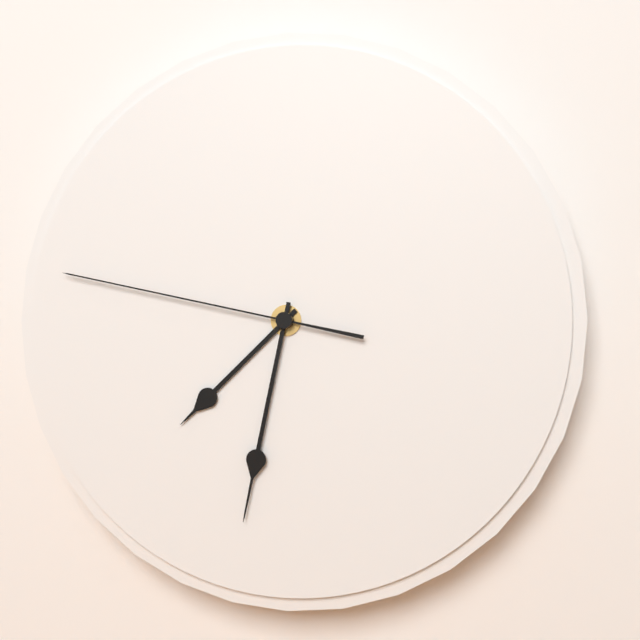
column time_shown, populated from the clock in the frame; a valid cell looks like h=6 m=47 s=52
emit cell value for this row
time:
h=7 m=32 s=47
